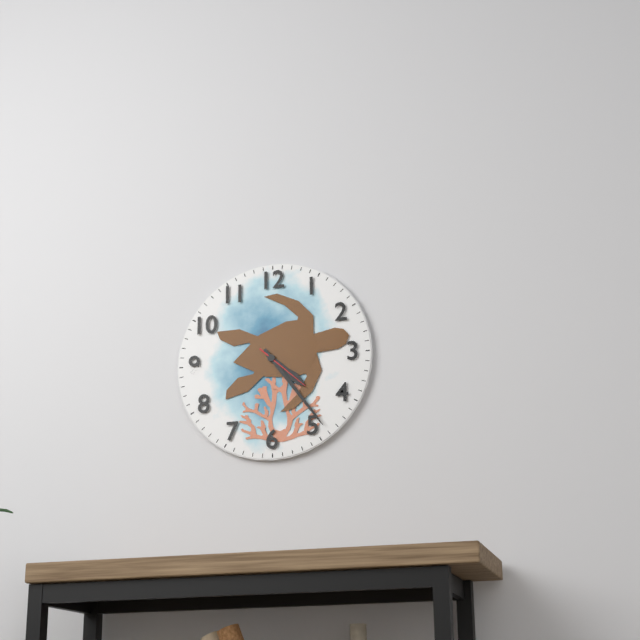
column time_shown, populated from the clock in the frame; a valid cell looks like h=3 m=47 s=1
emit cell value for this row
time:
h=4 m=24 s=22
